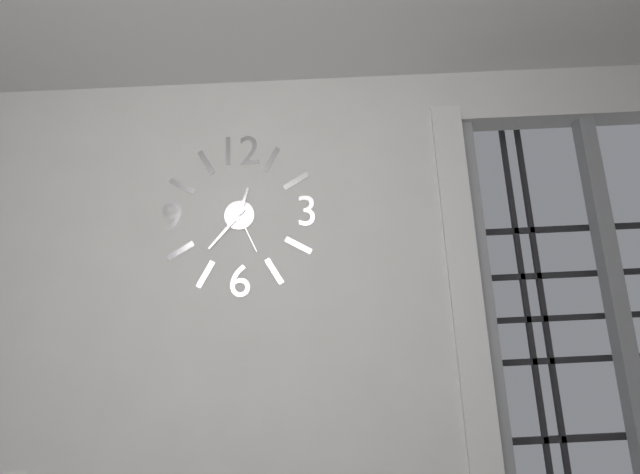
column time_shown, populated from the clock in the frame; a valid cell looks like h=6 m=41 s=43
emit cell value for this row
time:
h=12 m=37 s=26
